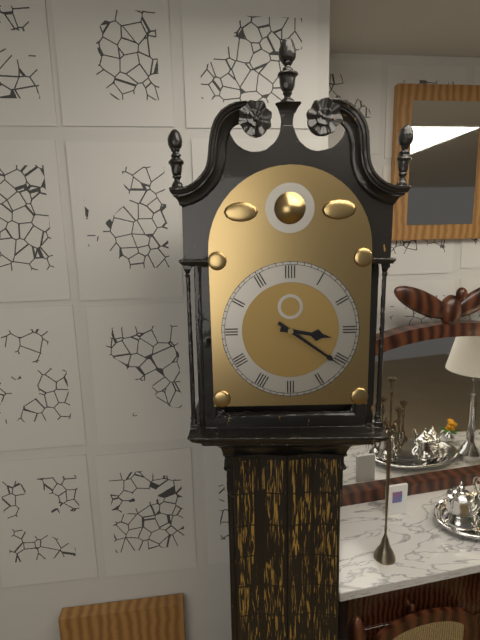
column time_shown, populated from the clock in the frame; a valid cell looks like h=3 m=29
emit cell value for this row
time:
h=3 m=21
